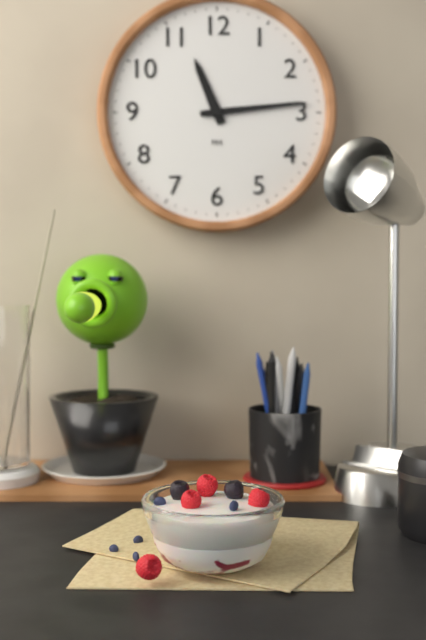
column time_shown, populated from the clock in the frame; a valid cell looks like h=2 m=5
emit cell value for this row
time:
h=11 m=14
